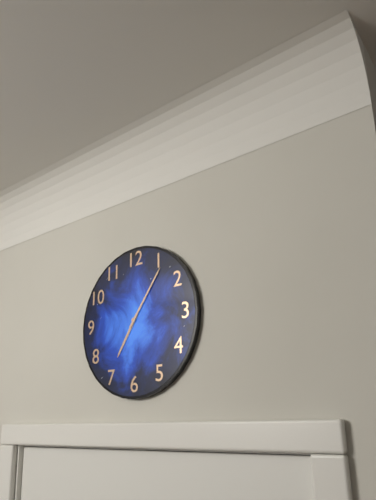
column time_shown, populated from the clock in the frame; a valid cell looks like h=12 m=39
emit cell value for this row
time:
h=7 m=6
